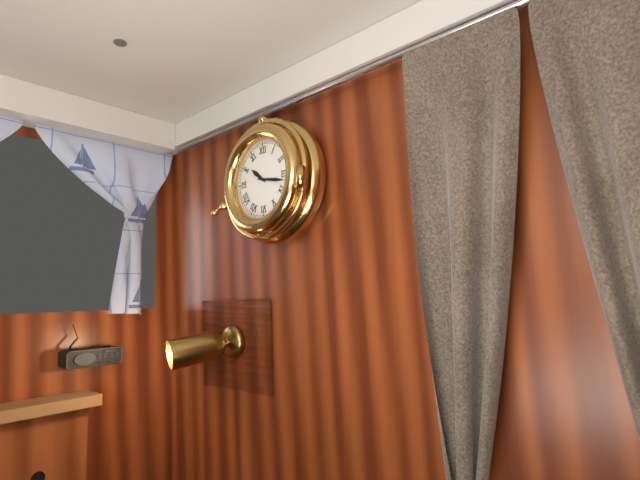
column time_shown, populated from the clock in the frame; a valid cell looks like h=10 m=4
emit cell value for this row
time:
h=10 m=17
